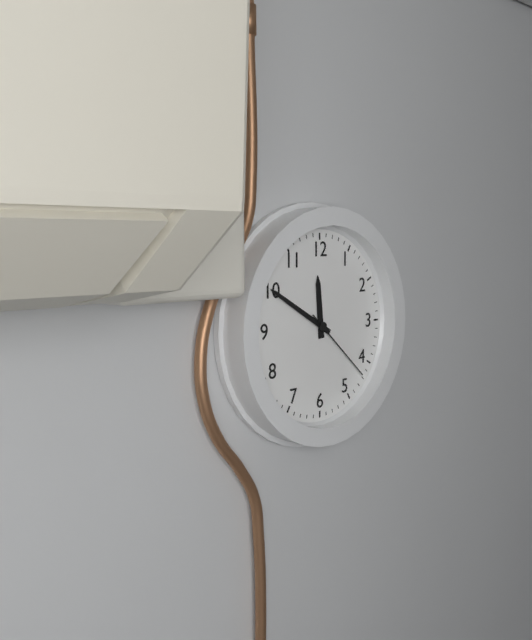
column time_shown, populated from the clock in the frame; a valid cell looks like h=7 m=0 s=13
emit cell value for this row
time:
h=11 m=50 s=22
